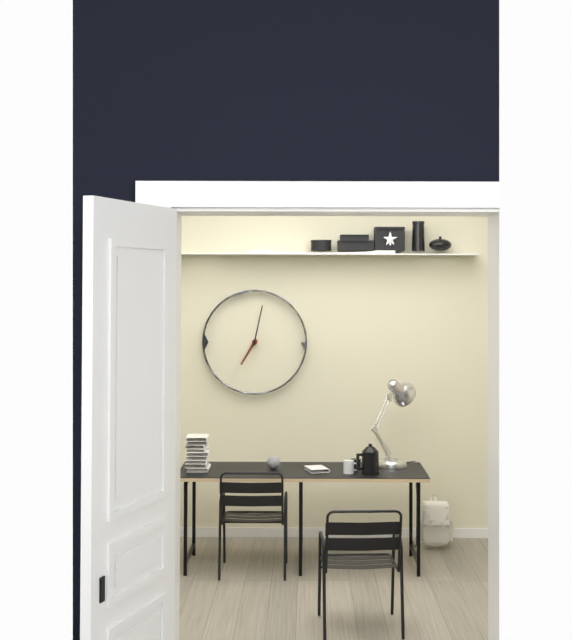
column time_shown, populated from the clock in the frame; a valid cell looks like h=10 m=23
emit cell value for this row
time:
h=7 m=2
